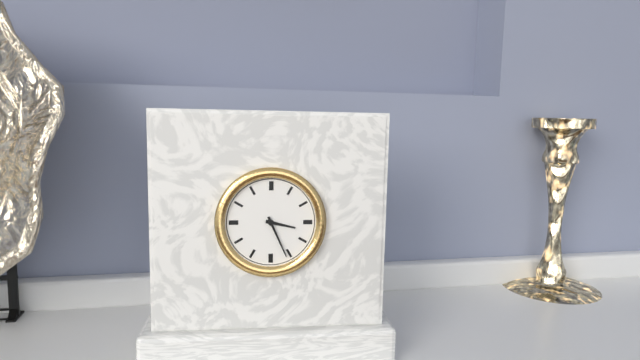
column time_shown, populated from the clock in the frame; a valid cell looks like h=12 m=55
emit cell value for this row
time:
h=3 m=26
